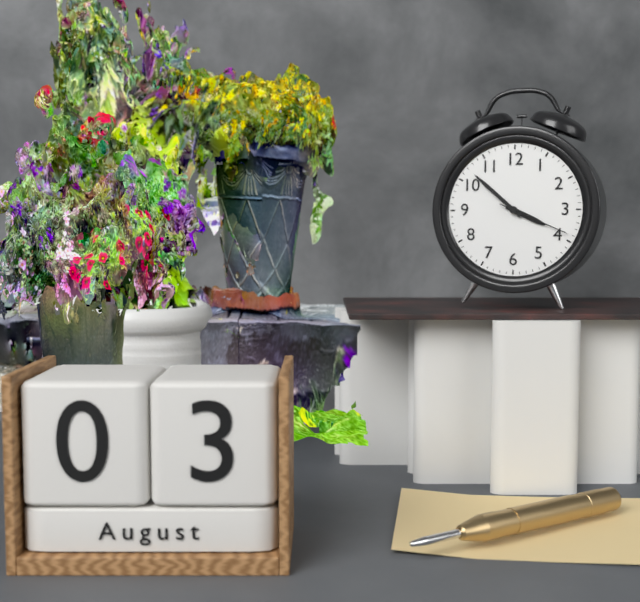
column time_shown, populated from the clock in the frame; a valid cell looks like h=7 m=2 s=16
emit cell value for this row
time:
h=3 m=52 s=19
